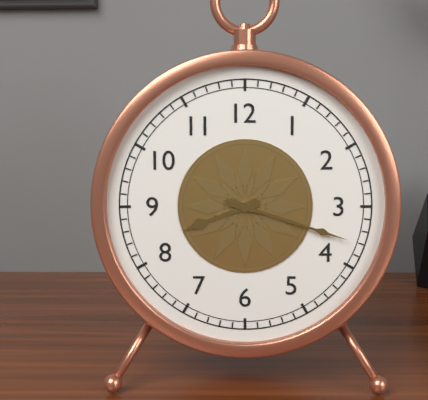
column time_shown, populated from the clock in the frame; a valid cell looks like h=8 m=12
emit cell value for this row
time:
h=8 m=18
